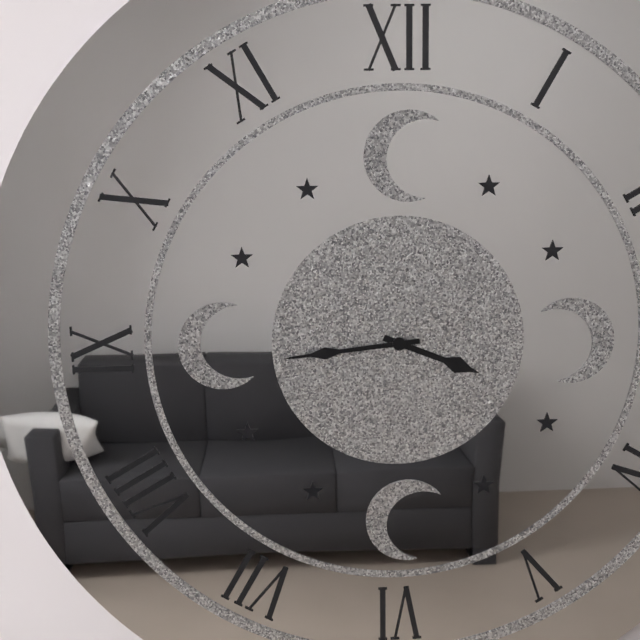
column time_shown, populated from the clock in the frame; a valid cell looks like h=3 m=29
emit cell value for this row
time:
h=3 m=44
